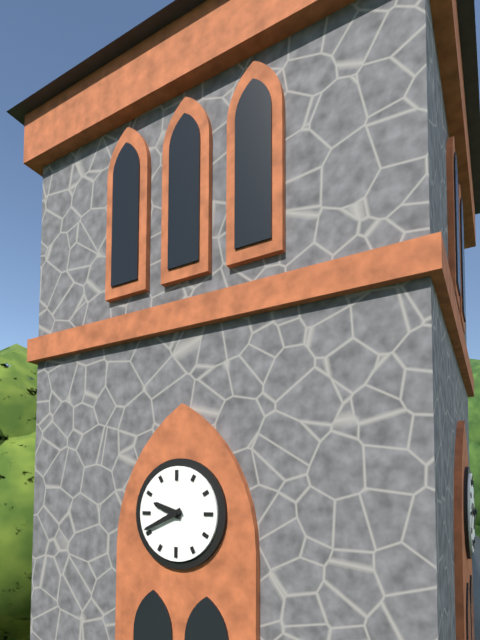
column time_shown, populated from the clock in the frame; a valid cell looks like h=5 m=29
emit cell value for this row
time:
h=9 m=41
